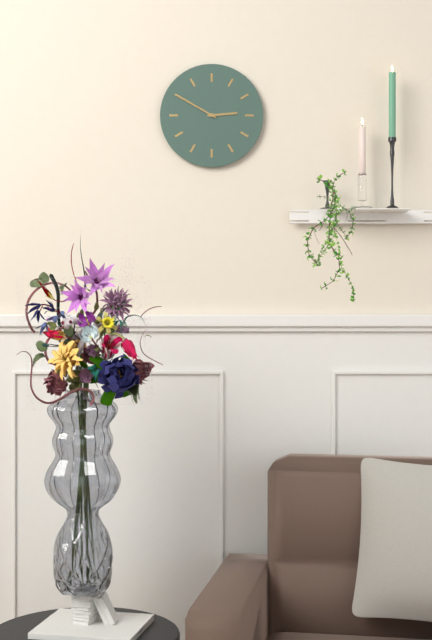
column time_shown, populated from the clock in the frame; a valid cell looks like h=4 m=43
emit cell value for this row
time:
h=2 m=50
